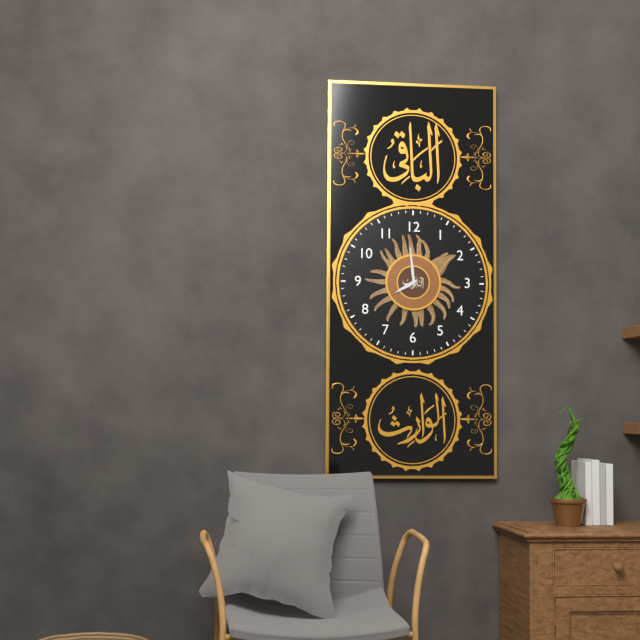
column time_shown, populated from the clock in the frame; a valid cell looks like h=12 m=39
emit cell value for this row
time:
h=7 m=59
